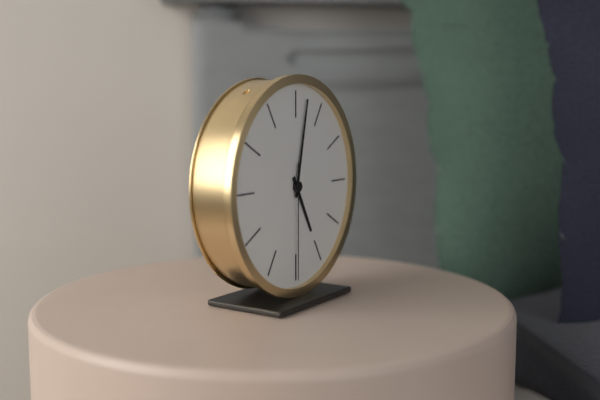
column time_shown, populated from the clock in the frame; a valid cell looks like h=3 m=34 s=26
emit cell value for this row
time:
h=5 m=2 s=30
